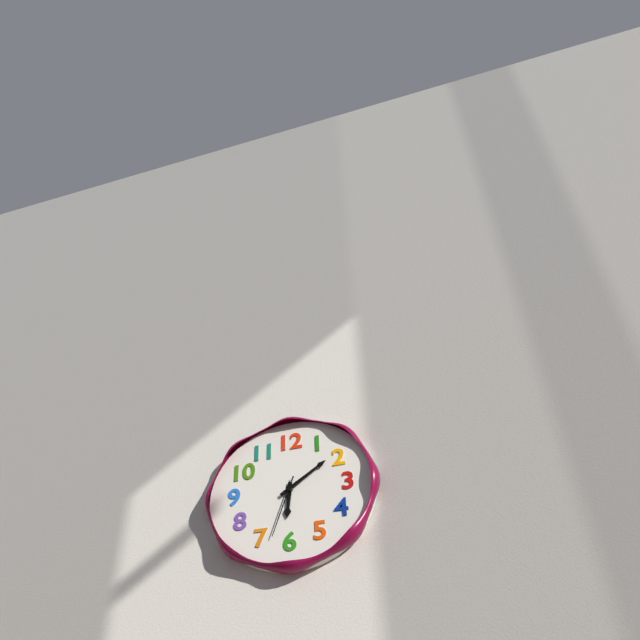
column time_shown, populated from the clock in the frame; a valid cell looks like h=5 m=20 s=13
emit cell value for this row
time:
h=6 m=9 s=33
